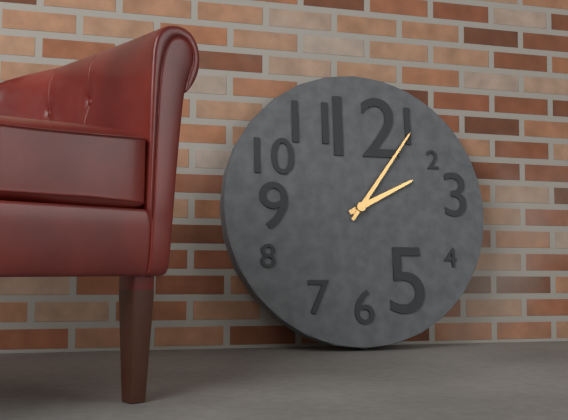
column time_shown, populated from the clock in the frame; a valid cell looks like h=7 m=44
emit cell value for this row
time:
h=2 m=6
